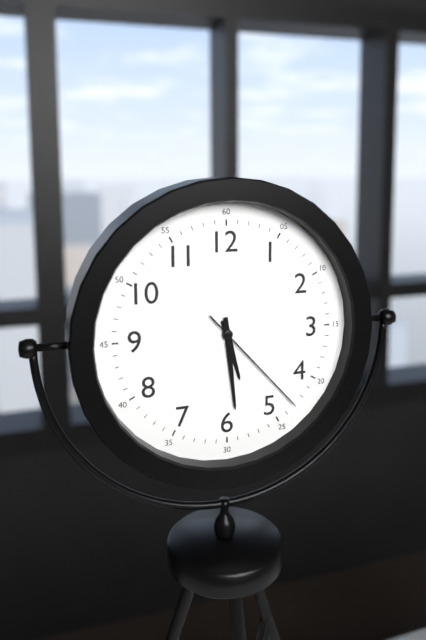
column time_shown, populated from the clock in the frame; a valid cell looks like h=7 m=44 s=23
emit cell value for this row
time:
h=5 m=29 s=23
